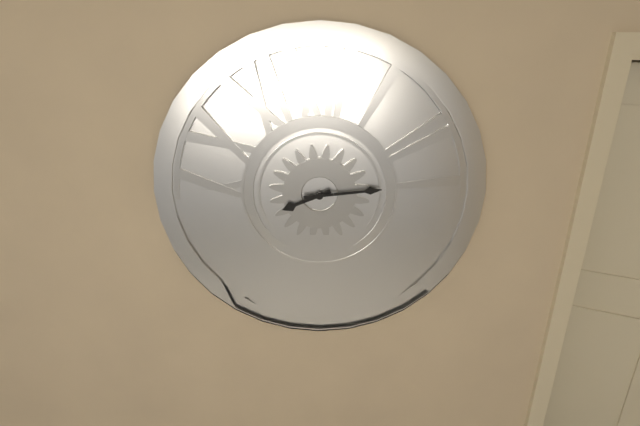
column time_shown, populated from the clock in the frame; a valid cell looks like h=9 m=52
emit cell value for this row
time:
h=8 m=14
